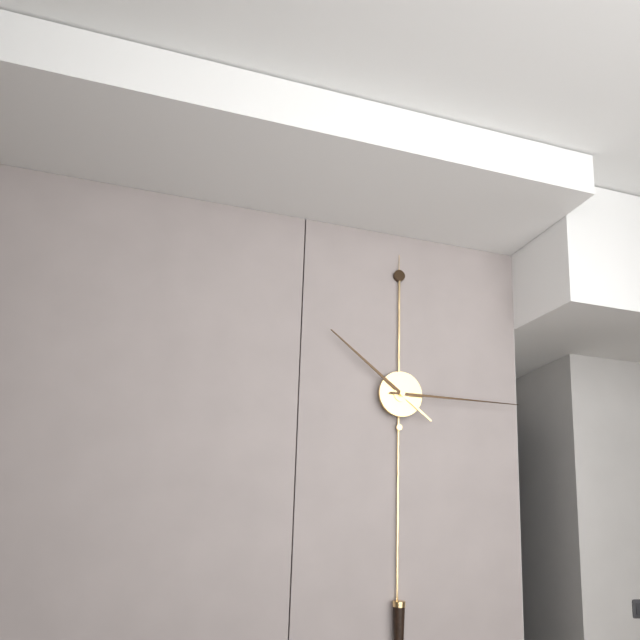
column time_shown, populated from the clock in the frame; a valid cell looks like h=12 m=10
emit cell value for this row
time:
h=10 m=15
